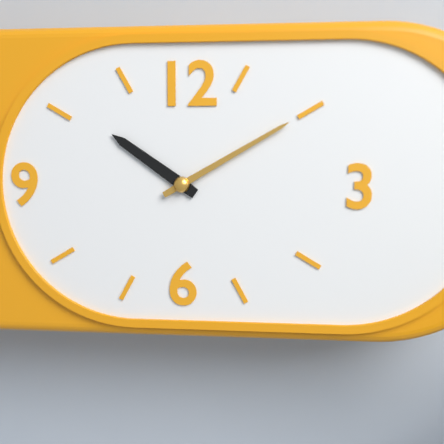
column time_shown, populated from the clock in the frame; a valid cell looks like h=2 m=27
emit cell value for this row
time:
h=10 m=10
